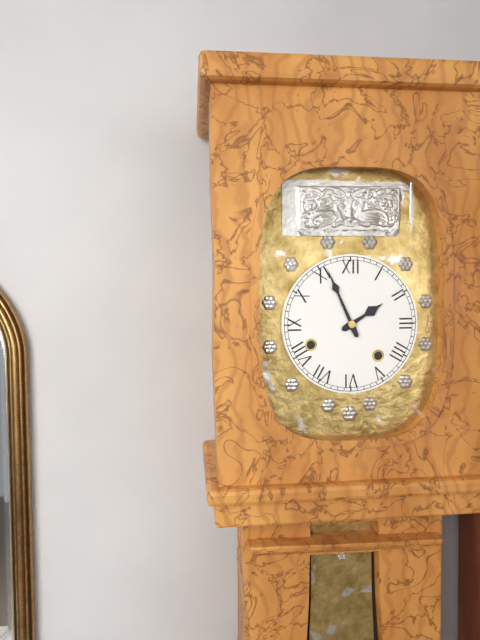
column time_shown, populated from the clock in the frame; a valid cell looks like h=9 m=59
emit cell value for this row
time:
h=1 m=56
